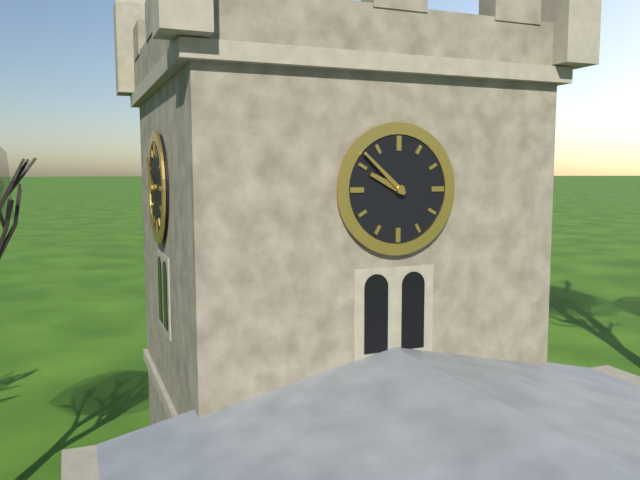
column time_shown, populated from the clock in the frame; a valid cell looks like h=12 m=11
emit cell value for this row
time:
h=9 m=52
